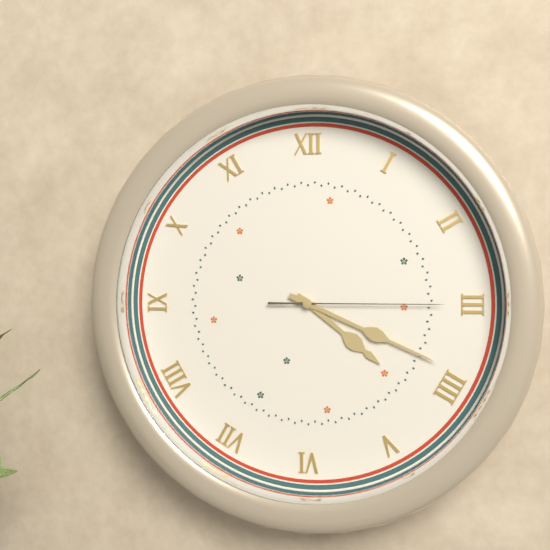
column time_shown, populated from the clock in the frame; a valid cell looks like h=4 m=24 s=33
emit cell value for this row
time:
h=4 m=19 s=15
